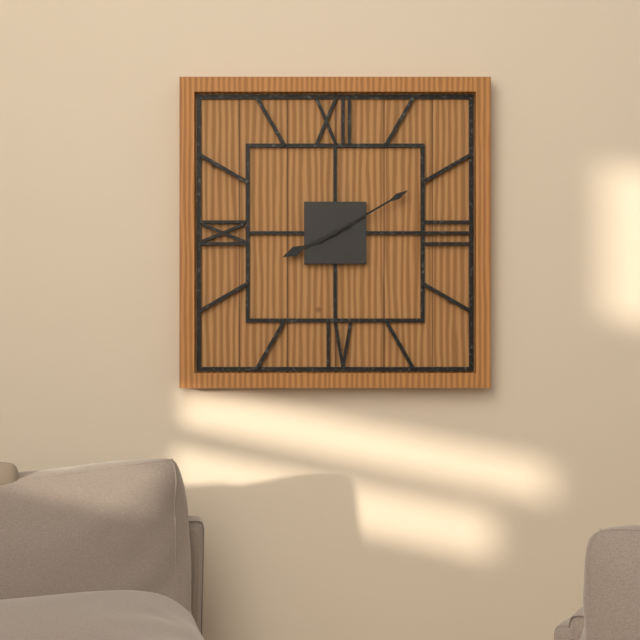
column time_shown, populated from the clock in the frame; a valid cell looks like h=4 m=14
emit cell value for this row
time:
h=8 m=10
